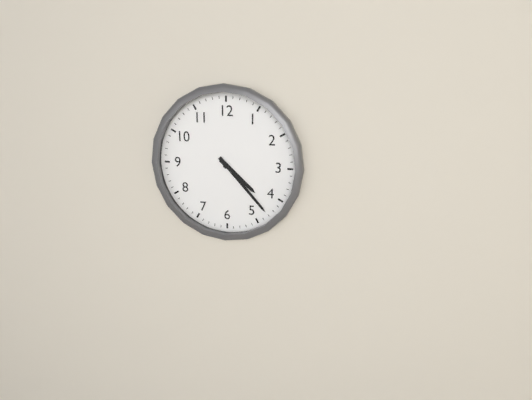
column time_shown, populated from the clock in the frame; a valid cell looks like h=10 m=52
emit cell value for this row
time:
h=4 m=23
